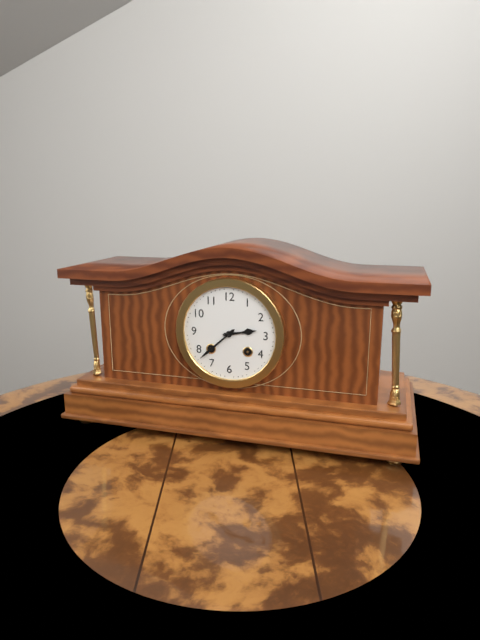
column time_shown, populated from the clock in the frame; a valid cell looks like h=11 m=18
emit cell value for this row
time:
h=2 m=38
